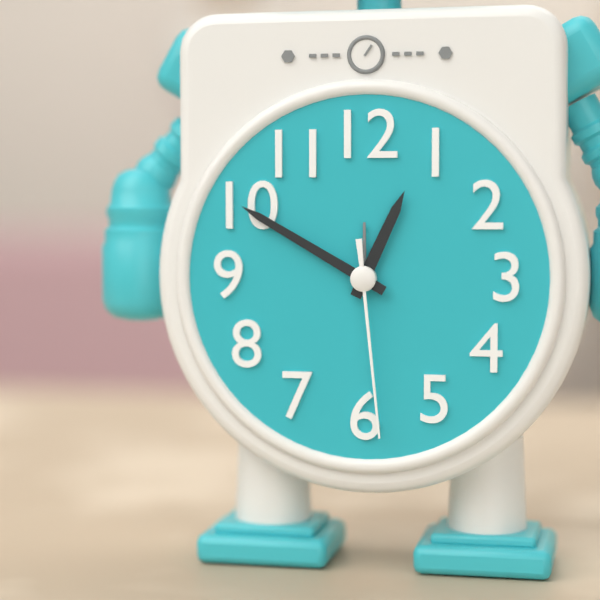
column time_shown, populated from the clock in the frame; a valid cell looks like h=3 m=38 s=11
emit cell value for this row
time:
h=12 m=50 s=29
